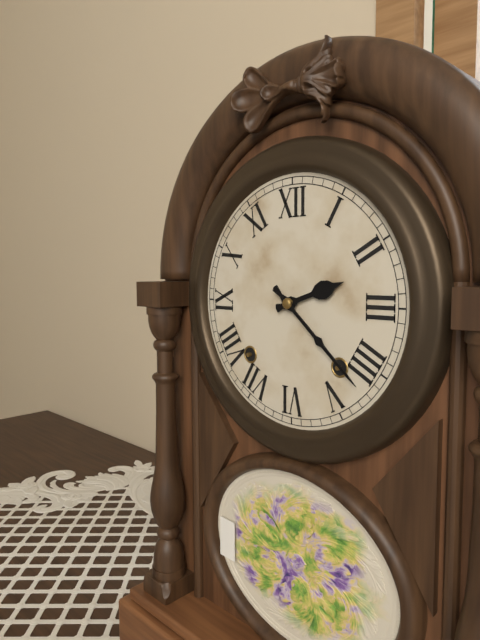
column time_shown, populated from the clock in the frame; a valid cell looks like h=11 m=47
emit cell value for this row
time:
h=2 m=22
